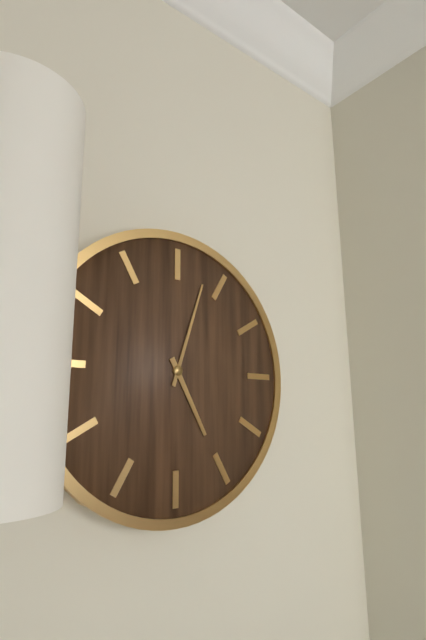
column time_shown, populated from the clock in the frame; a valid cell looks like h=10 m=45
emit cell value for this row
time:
h=5 m=3
